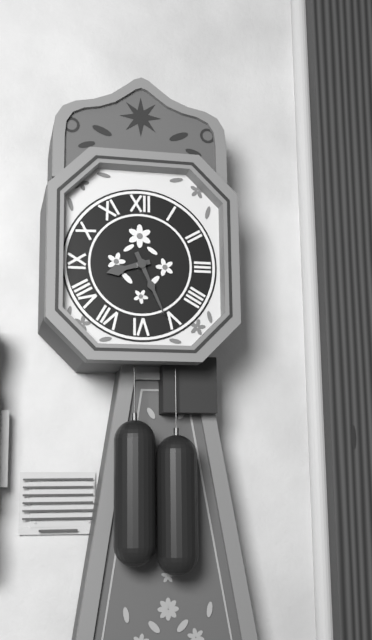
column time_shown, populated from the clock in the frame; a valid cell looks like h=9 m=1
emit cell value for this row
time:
h=8 m=26
